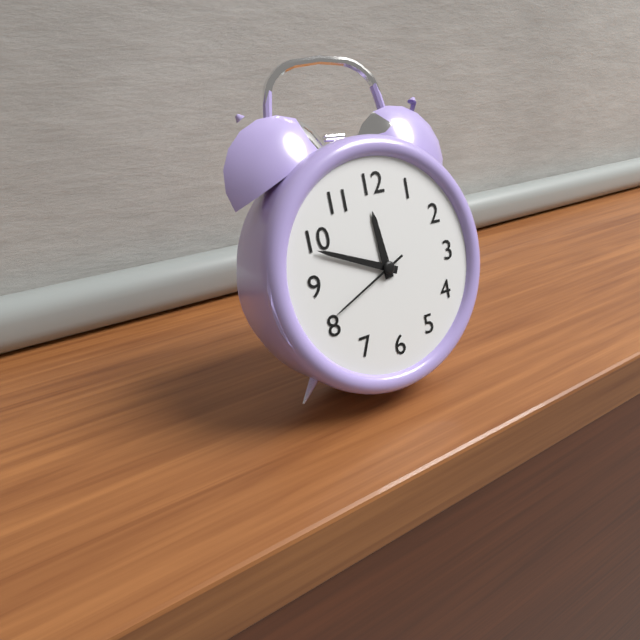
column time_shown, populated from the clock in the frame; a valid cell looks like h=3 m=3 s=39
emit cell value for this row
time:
h=11 m=49 s=41
